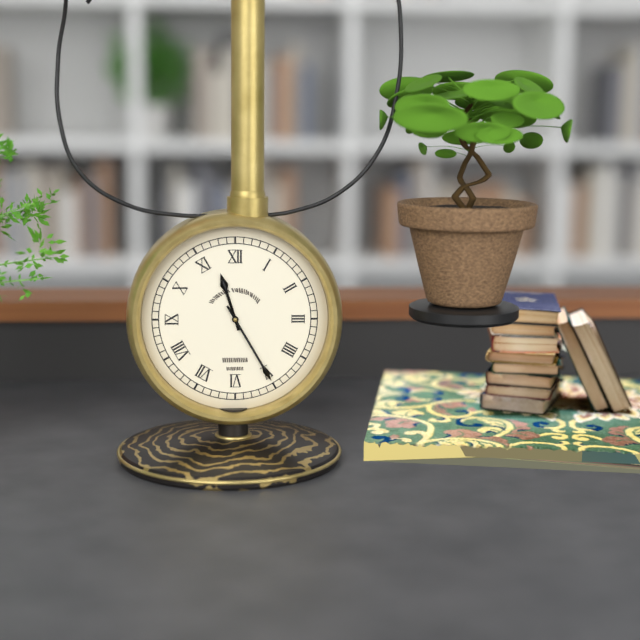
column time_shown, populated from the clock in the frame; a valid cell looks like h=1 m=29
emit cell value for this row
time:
h=11 m=25
